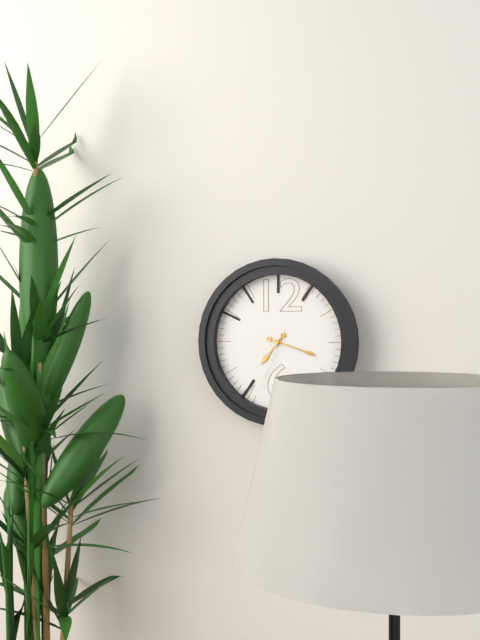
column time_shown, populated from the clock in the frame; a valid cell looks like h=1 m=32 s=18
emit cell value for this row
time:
h=7 m=18 s=34
